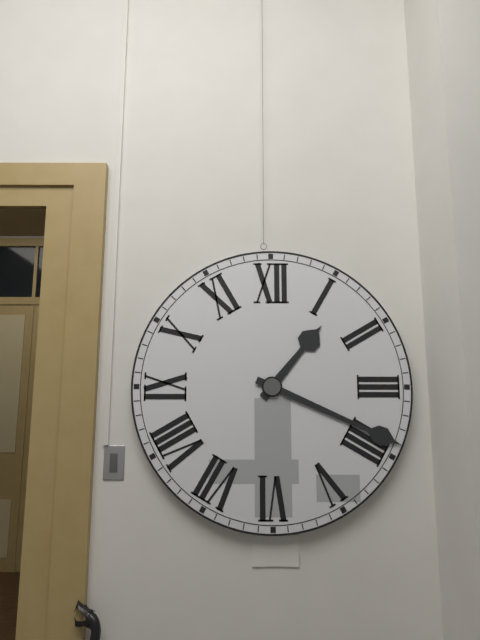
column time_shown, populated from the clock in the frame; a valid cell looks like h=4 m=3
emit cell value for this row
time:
h=1 m=19
